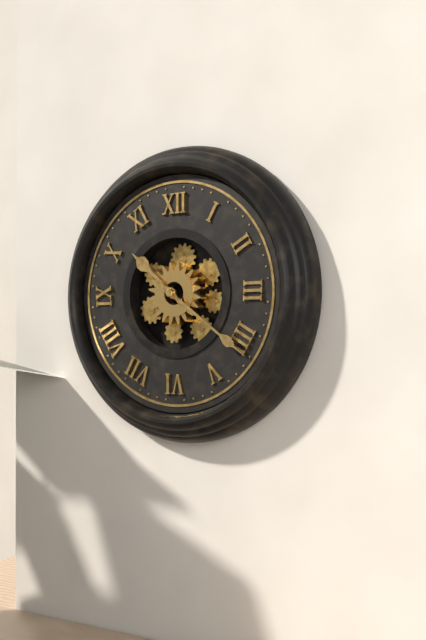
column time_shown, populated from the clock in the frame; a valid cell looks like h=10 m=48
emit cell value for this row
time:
h=10 m=21
